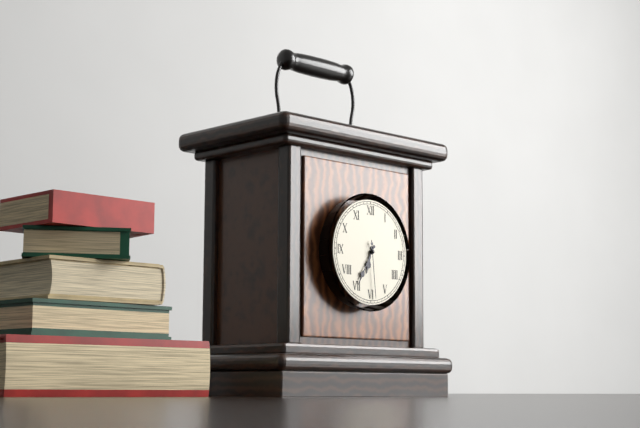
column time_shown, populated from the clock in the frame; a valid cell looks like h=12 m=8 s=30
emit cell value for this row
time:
h=6 m=35 s=29
